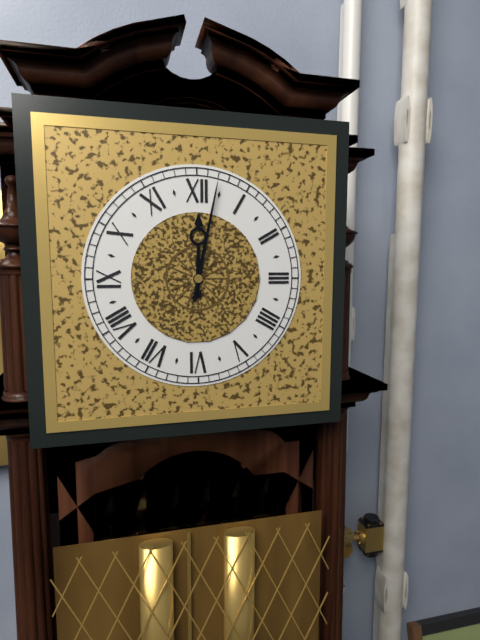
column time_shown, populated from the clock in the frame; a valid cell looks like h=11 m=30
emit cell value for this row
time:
h=12 m=2
